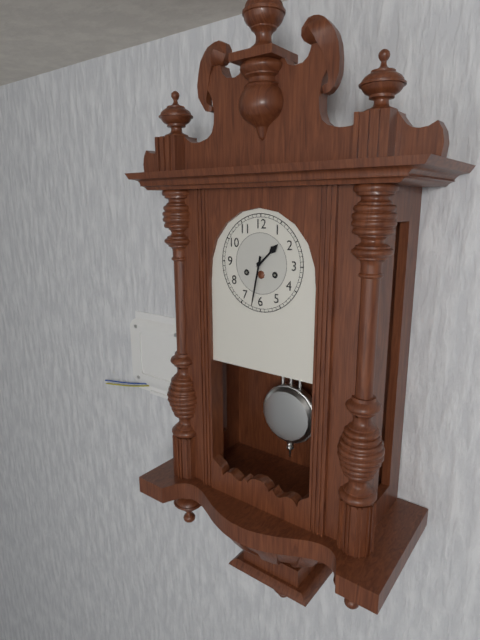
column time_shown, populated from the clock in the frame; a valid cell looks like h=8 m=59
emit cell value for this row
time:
h=1 m=32
